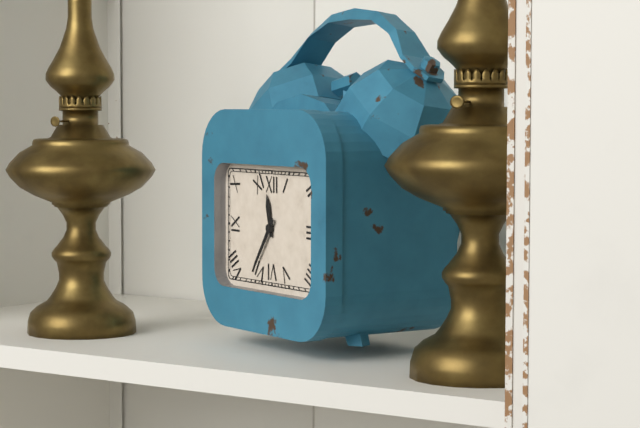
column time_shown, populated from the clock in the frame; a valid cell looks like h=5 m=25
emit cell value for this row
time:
h=11 m=36
